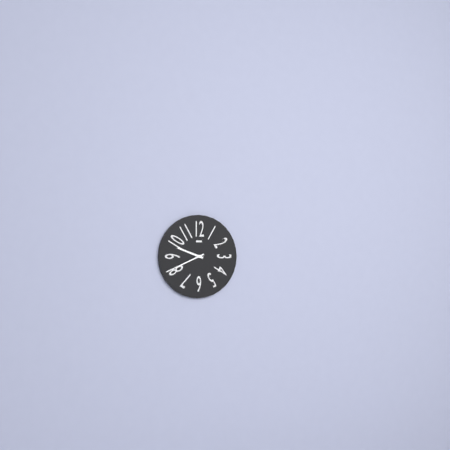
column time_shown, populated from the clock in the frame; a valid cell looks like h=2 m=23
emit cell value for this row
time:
h=9 m=41
